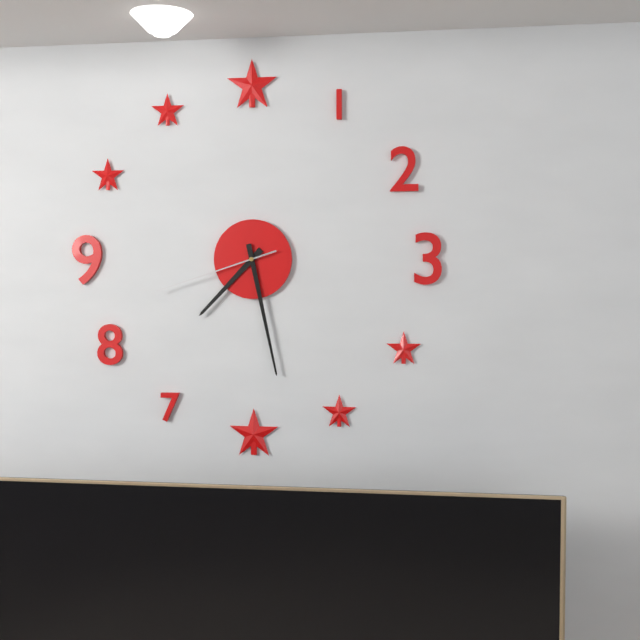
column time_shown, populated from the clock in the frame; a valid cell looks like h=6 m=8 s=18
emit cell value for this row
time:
h=7 m=28 s=42
